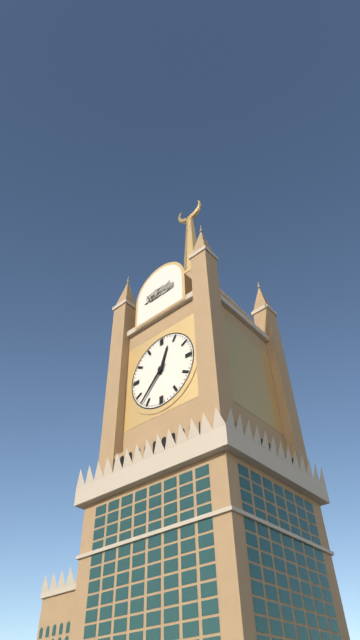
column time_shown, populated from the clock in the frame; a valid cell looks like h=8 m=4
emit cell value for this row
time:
h=12 m=37
